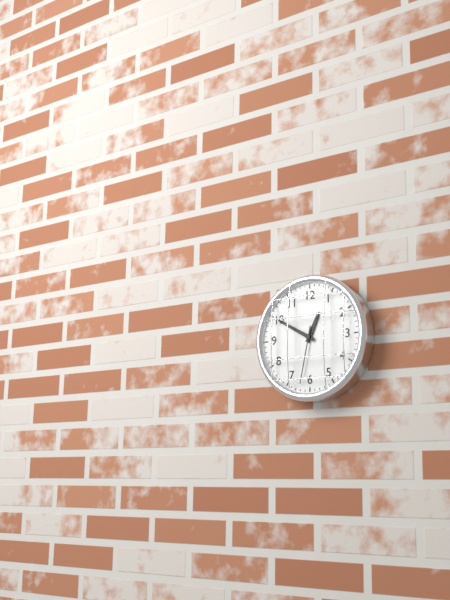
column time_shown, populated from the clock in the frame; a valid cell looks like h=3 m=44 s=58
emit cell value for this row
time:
h=12 m=50 s=32
